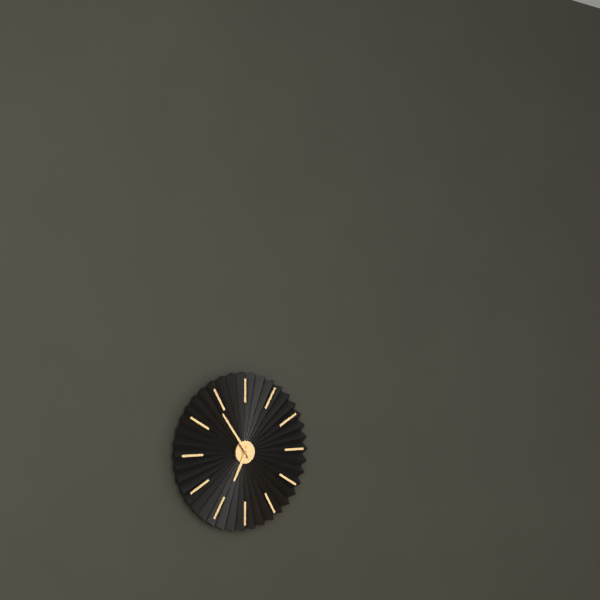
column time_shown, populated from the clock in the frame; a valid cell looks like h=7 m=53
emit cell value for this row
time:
h=6 m=54
